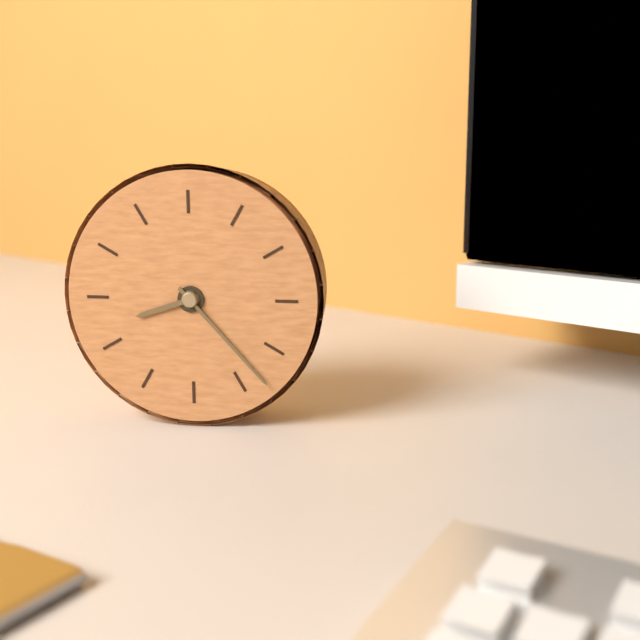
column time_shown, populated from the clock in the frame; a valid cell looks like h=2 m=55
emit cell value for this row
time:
h=8 m=23
